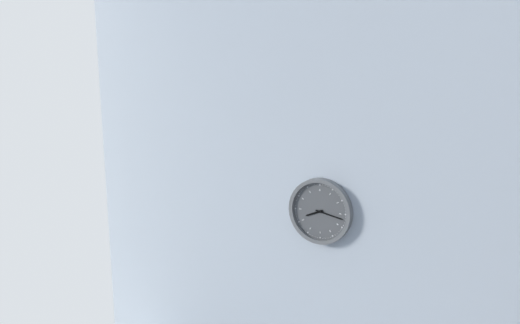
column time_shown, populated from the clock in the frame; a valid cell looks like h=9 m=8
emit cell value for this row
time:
h=8 m=17
